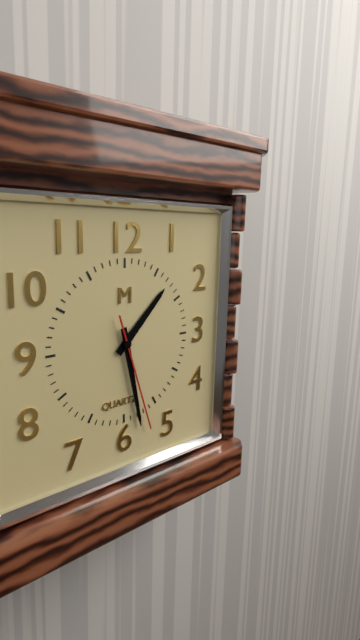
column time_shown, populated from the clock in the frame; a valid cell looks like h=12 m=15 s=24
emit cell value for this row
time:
h=1 m=28 s=27
